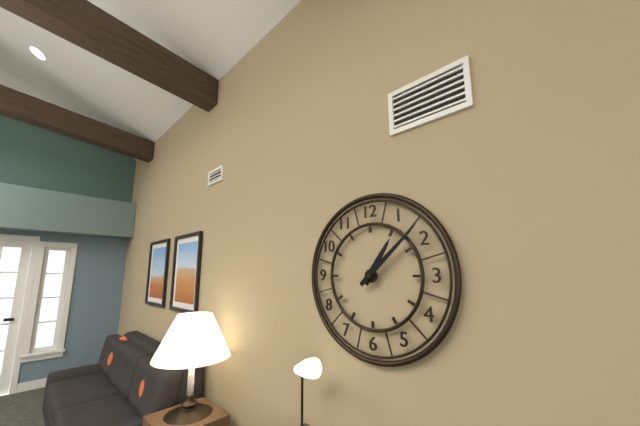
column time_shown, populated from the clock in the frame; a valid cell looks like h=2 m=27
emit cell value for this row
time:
h=1 m=8
